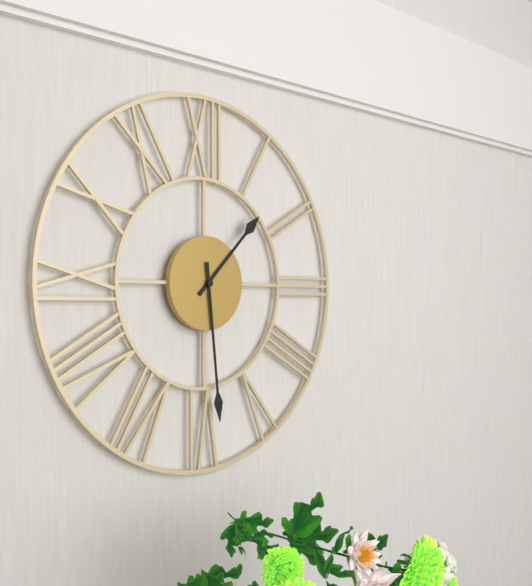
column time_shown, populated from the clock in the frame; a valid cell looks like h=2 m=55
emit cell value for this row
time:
h=1 m=29
